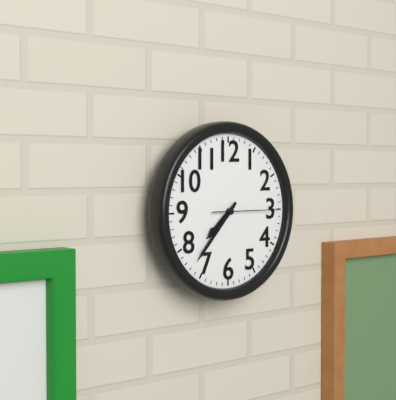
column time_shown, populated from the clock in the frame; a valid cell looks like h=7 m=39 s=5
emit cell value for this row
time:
h=7 m=37 s=15
